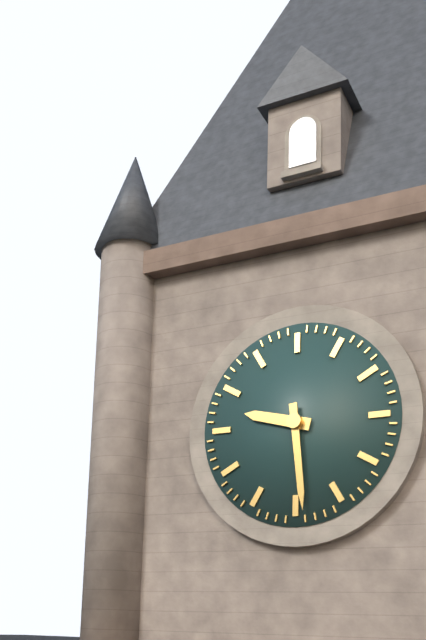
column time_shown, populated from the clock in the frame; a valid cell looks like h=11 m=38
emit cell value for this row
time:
h=9 m=29
